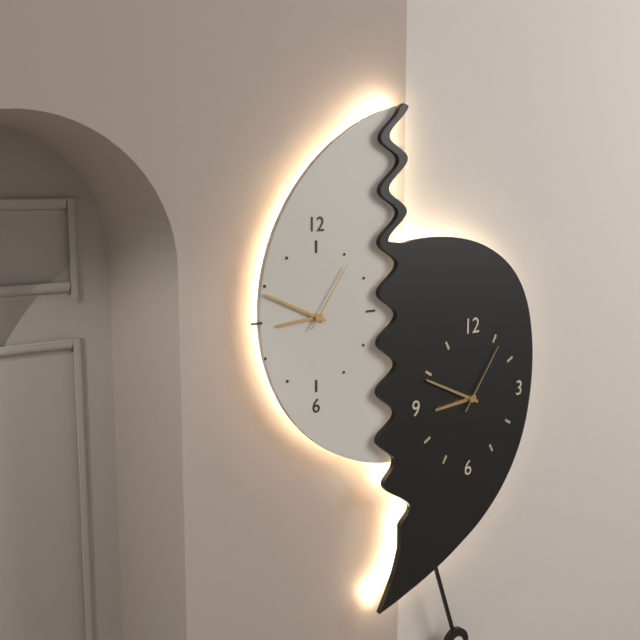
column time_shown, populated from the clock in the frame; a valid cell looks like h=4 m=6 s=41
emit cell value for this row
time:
h=8 m=49 s=6
